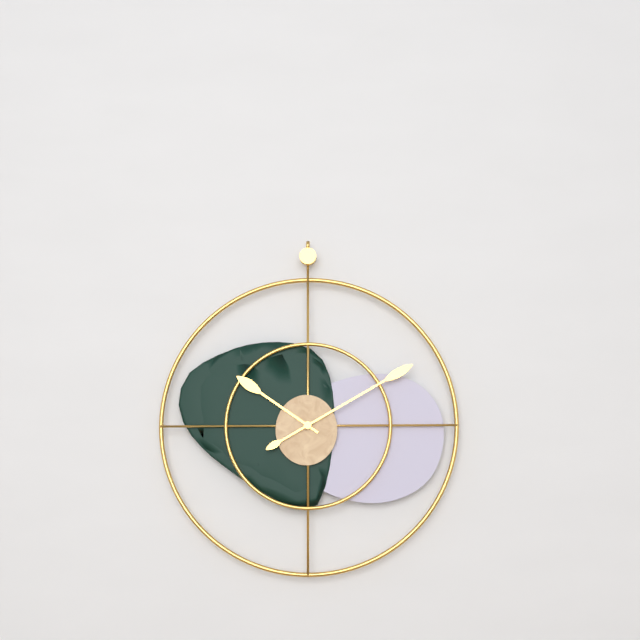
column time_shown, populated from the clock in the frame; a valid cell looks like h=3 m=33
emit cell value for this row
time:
h=10 m=10
